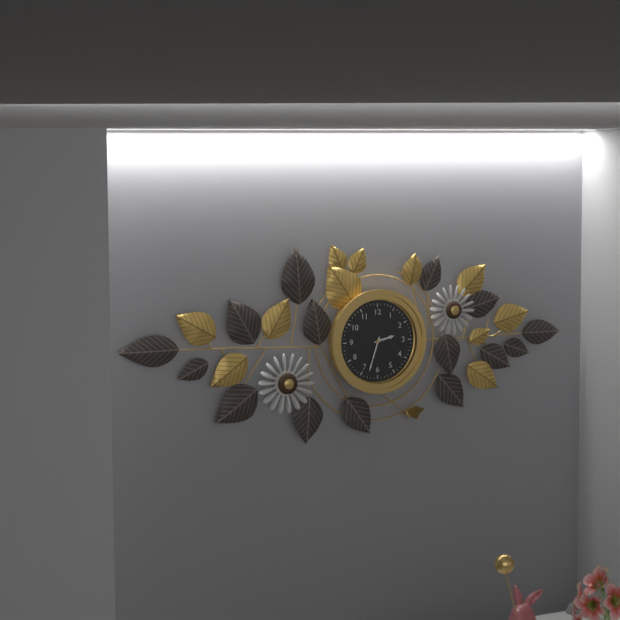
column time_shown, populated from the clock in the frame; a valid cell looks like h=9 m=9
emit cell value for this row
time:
h=2 m=33
